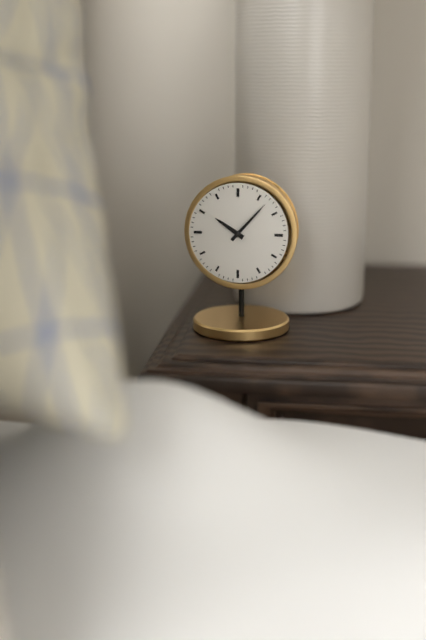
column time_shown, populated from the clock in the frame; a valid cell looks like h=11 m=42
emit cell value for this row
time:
h=10 m=7
